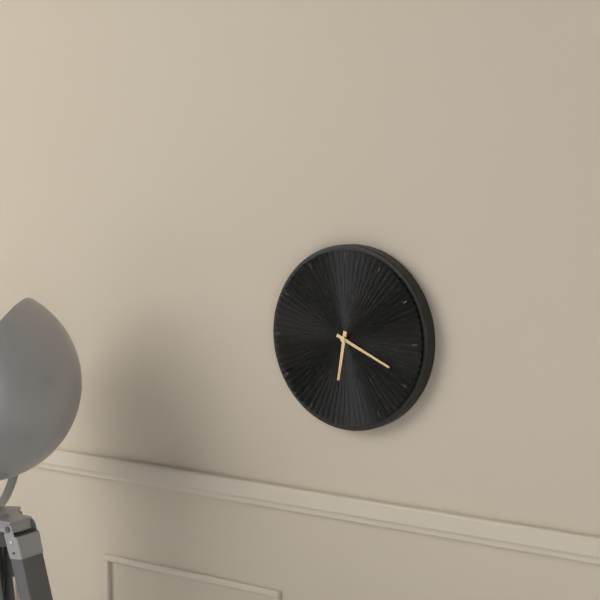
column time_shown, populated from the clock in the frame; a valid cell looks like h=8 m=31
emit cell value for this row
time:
h=6 m=19
